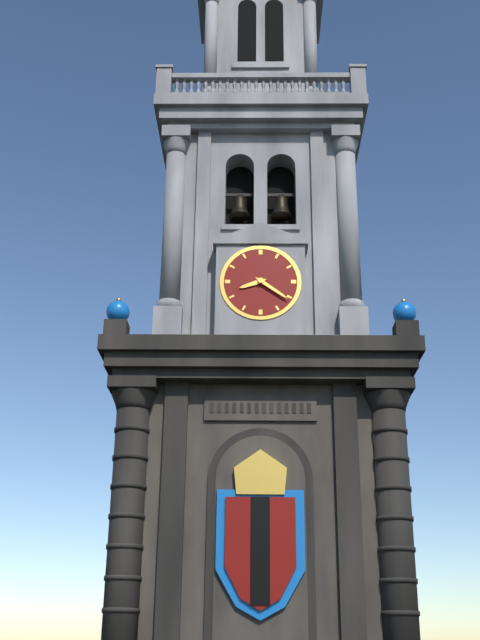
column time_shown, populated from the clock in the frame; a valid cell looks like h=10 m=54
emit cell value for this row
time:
h=8 m=21
